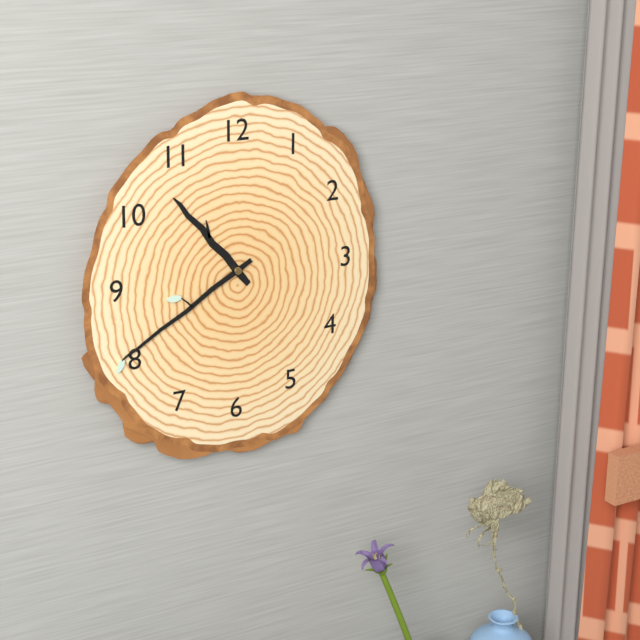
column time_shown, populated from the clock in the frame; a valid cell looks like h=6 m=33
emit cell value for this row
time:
h=10 m=40
